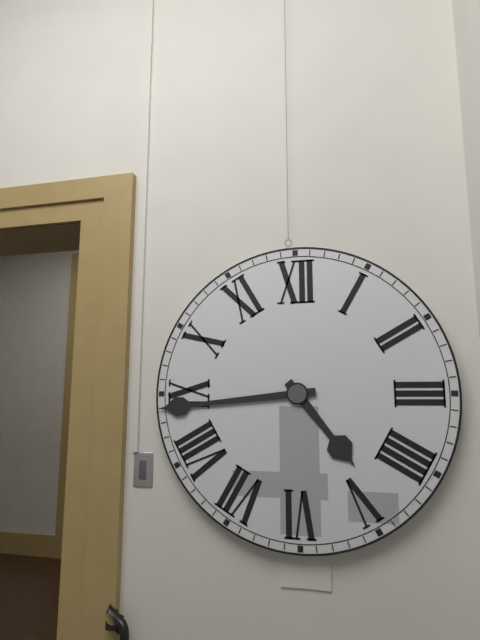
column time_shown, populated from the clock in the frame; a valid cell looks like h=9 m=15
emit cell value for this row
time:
h=4 m=44
